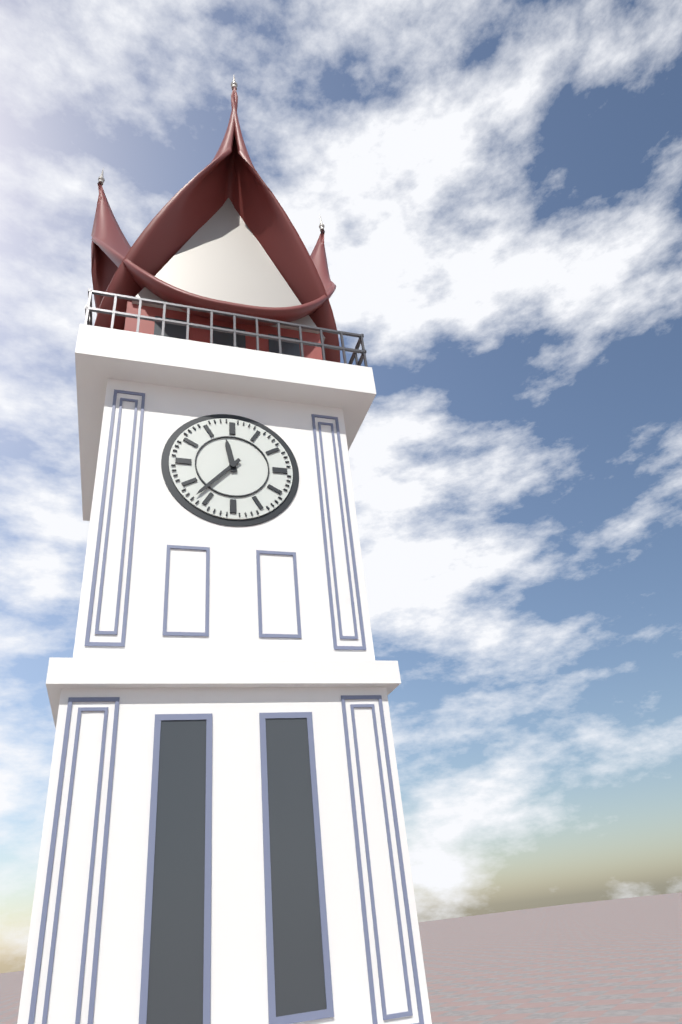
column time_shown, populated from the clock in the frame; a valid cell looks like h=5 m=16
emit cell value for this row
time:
h=11 m=37
